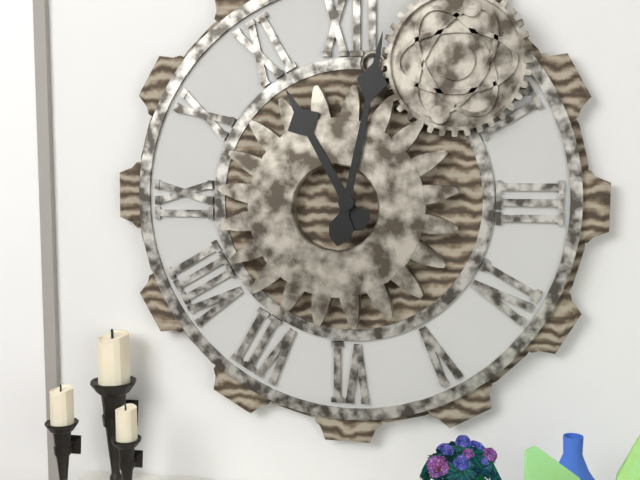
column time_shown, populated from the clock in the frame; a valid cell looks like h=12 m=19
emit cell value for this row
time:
h=11 m=2
